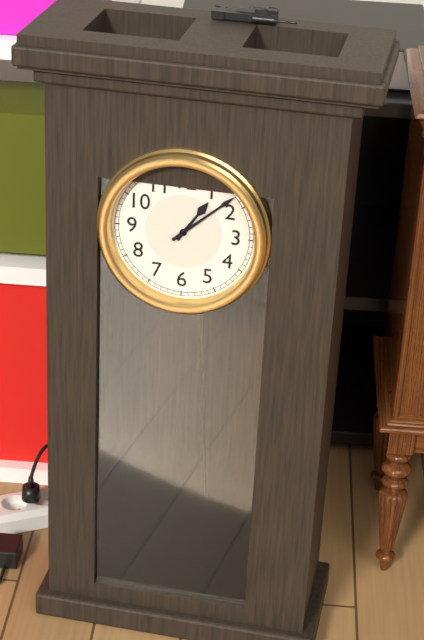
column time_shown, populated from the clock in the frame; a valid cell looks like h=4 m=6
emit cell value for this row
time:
h=1 m=8
